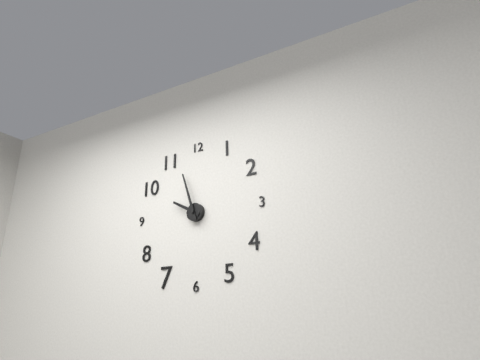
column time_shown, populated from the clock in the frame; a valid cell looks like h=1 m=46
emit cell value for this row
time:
h=9 m=57
